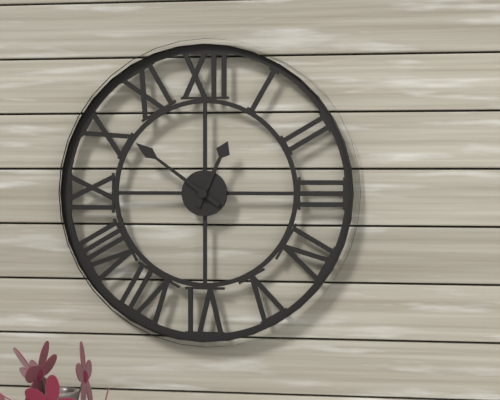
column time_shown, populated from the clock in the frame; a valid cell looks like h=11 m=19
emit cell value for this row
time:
h=12 m=51
